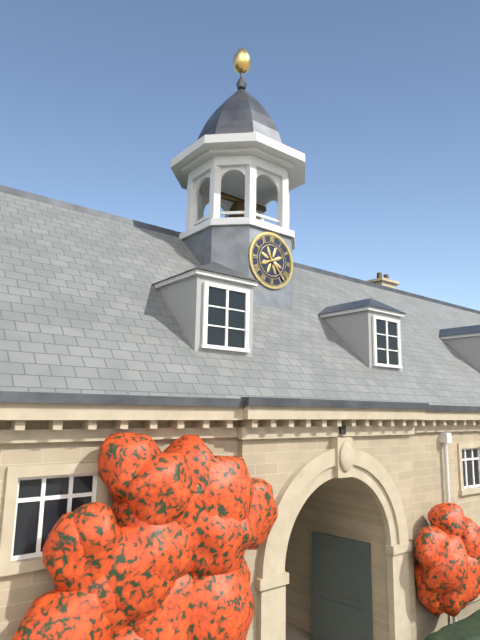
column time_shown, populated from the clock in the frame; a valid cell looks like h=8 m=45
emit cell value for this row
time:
h=8 m=23
